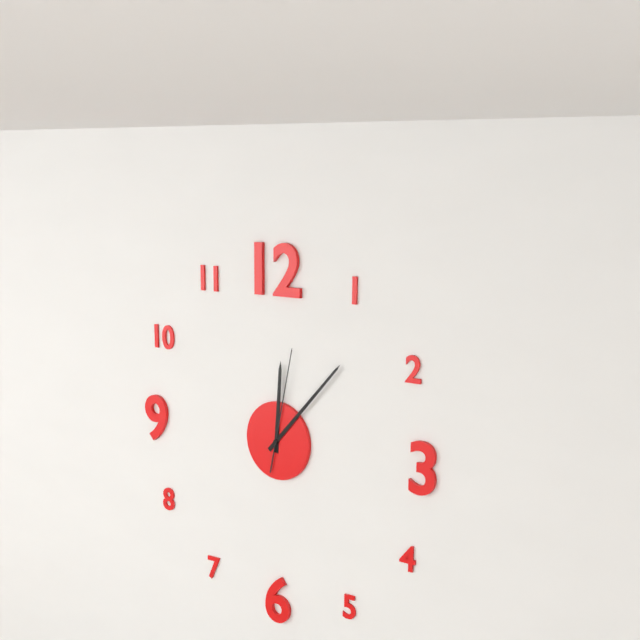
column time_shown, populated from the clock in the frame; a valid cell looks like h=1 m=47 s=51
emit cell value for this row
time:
h=12 m=7 s=2
